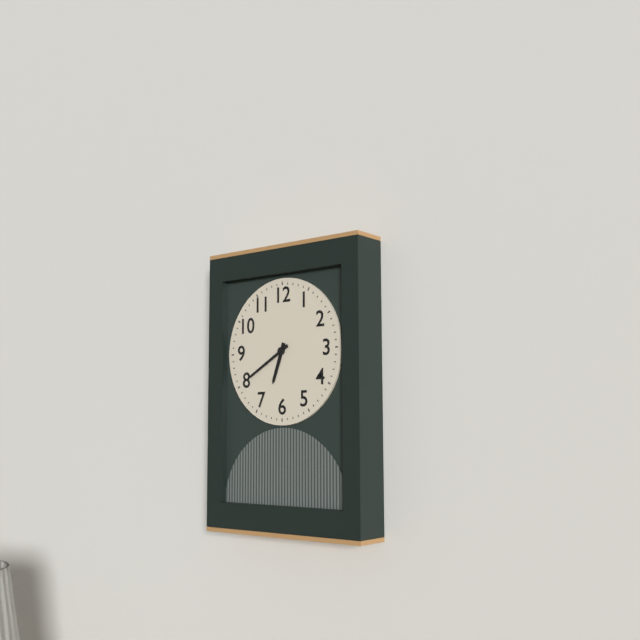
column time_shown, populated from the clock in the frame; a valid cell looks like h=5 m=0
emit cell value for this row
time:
h=6 m=40
